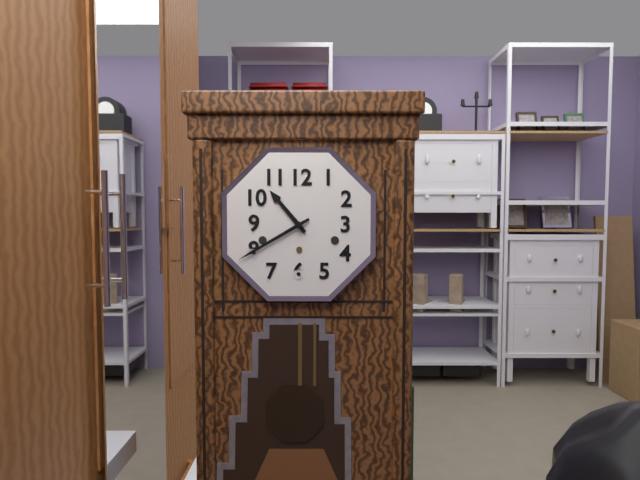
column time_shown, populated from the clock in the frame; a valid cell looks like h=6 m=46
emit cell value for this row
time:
h=10 m=40
